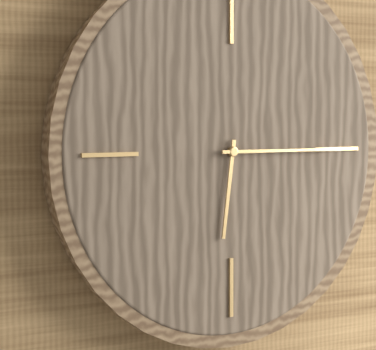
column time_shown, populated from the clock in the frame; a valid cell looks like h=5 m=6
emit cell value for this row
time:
h=6 m=15
